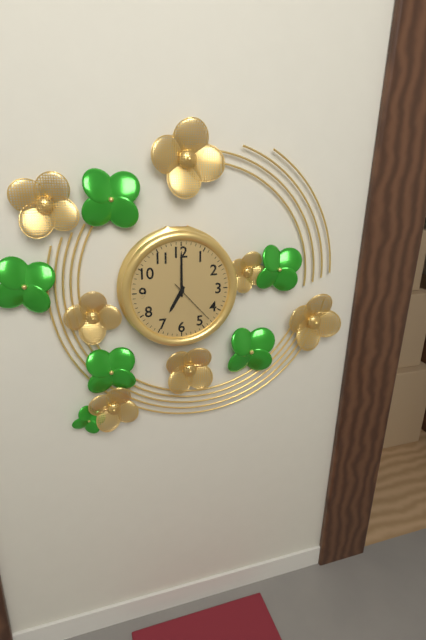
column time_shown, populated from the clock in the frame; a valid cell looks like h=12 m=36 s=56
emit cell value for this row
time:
h=7 m=0 s=23
